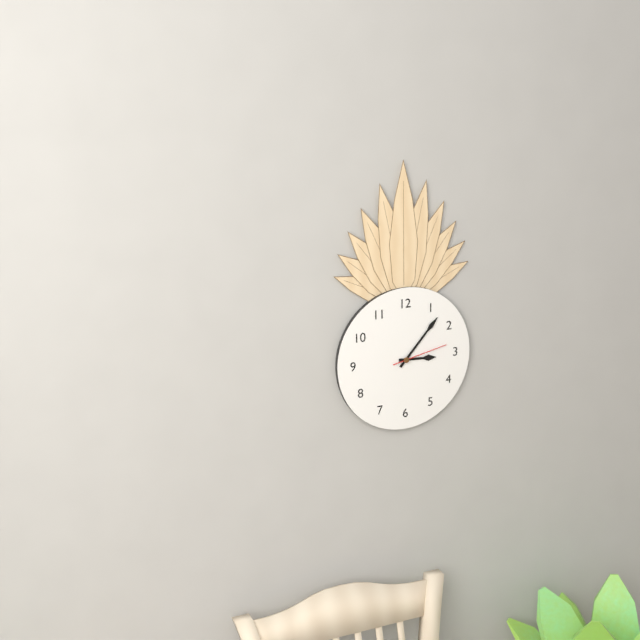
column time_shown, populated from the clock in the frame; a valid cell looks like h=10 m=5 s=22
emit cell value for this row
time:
h=3 m=7 s=13
